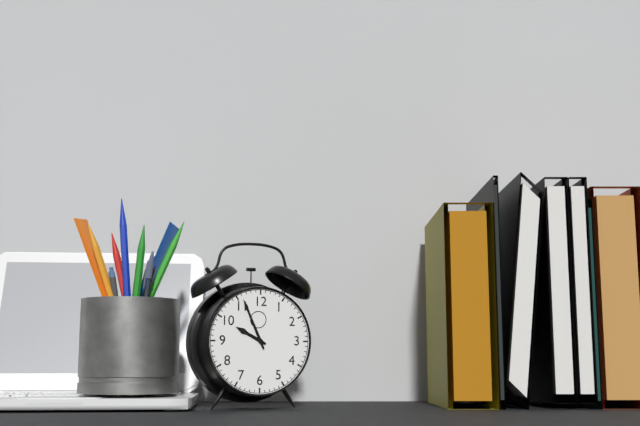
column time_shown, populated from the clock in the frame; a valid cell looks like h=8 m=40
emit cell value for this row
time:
h=9 m=56
